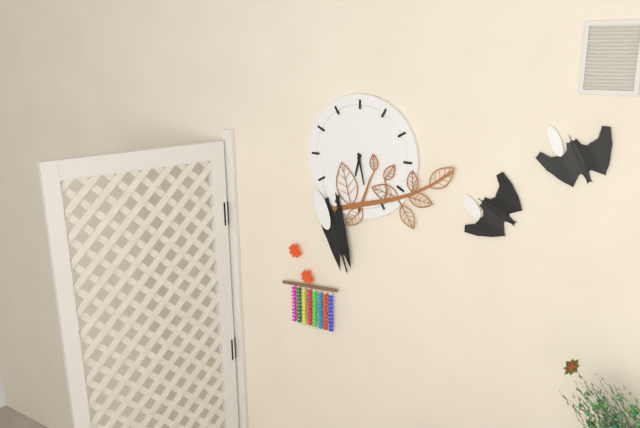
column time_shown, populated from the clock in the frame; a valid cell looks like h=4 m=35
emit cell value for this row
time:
h=6 m=28
